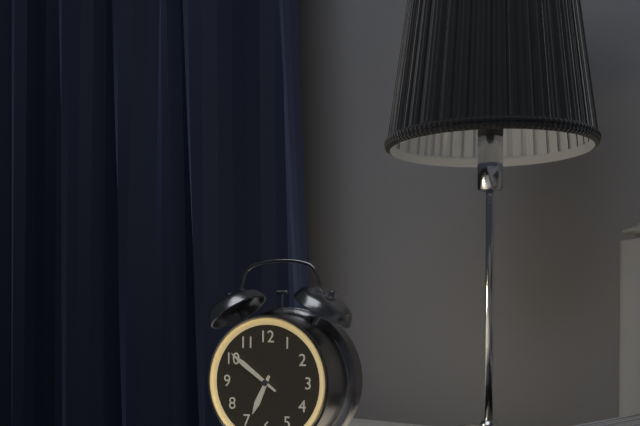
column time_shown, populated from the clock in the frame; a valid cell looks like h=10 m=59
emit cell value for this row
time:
h=6 m=51
